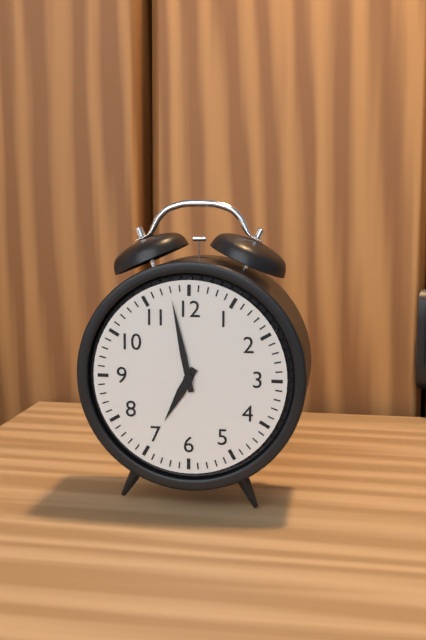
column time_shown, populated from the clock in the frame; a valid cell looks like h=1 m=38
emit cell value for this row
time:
h=6 m=58
